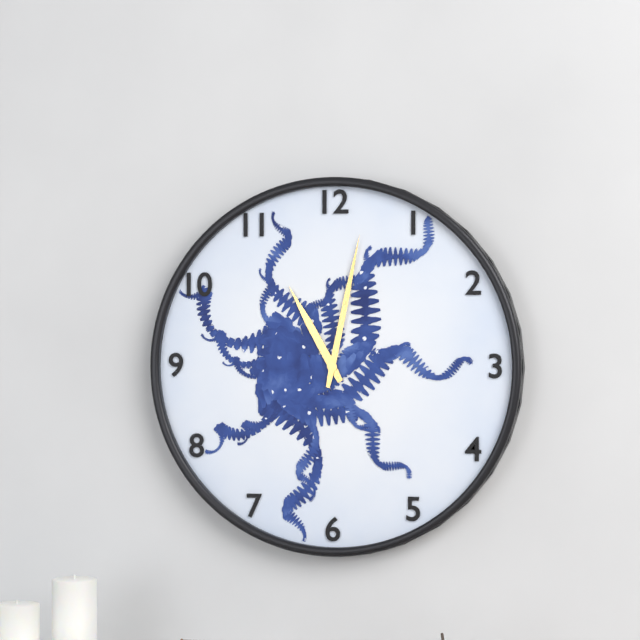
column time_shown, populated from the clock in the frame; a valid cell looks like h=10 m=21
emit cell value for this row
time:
h=11 m=2
